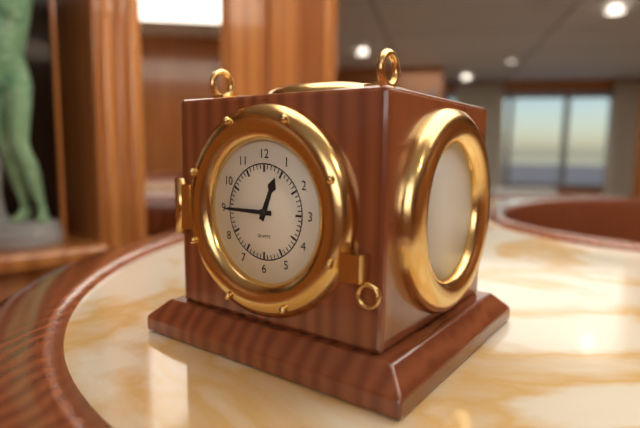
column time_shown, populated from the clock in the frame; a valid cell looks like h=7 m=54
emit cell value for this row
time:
h=12 m=45
